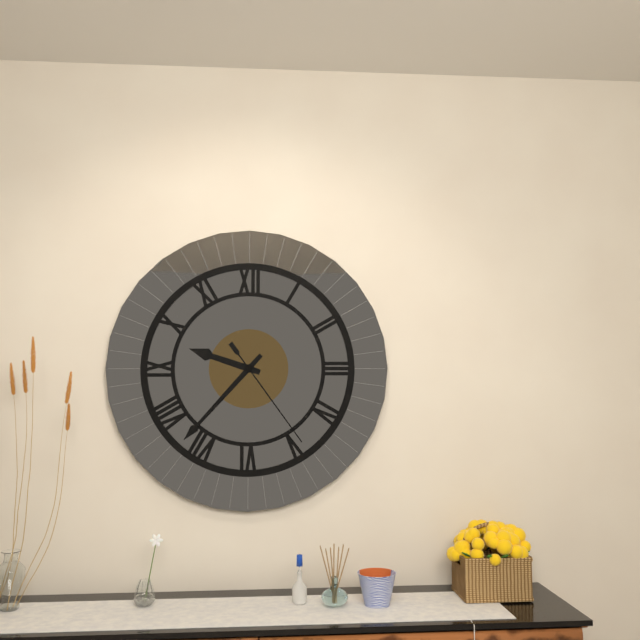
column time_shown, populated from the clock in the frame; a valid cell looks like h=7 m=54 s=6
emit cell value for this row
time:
h=9 m=37 s=24
